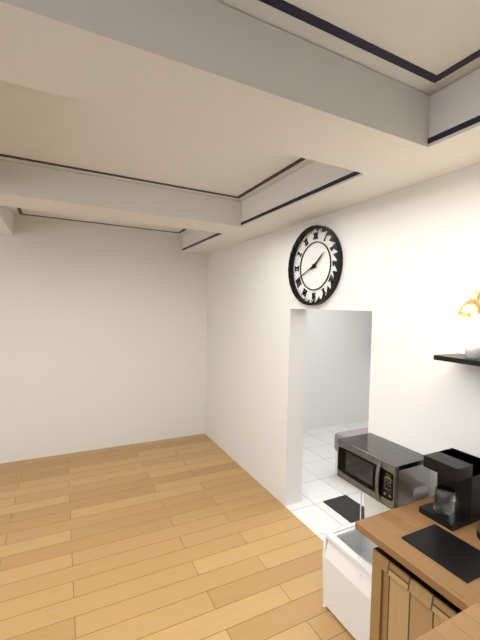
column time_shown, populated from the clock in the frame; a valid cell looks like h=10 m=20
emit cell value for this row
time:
h=1 m=41
